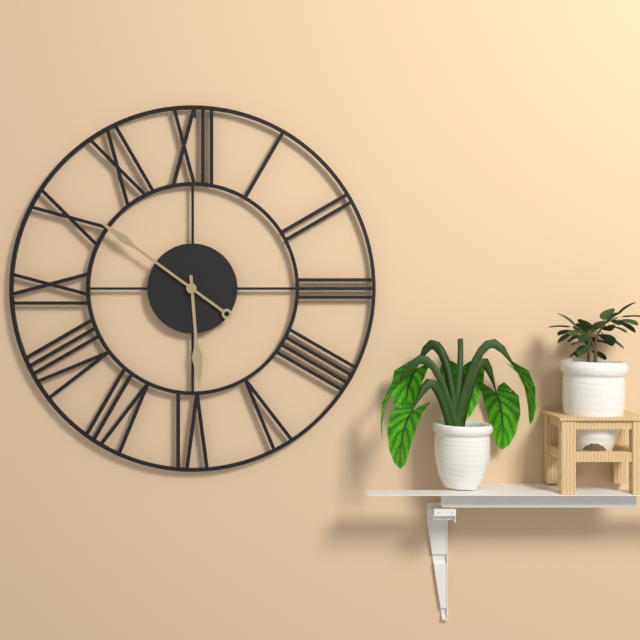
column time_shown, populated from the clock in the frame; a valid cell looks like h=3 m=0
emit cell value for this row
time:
h=5 m=51
